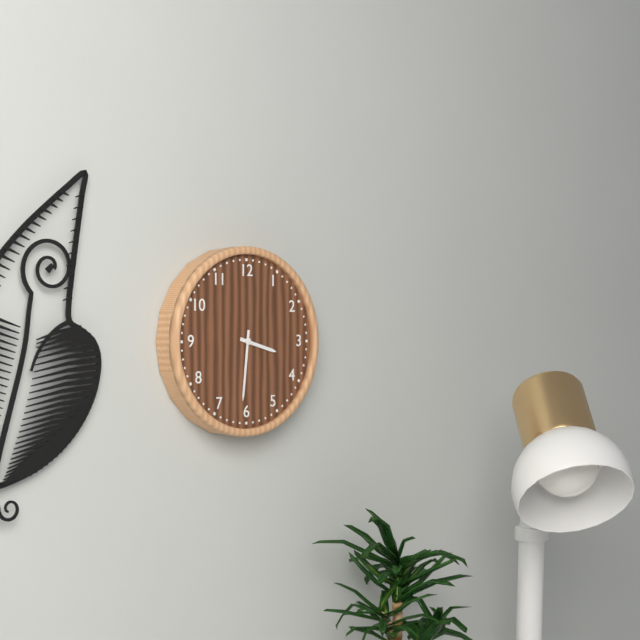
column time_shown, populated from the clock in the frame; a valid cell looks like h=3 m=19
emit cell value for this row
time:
h=3 m=31
